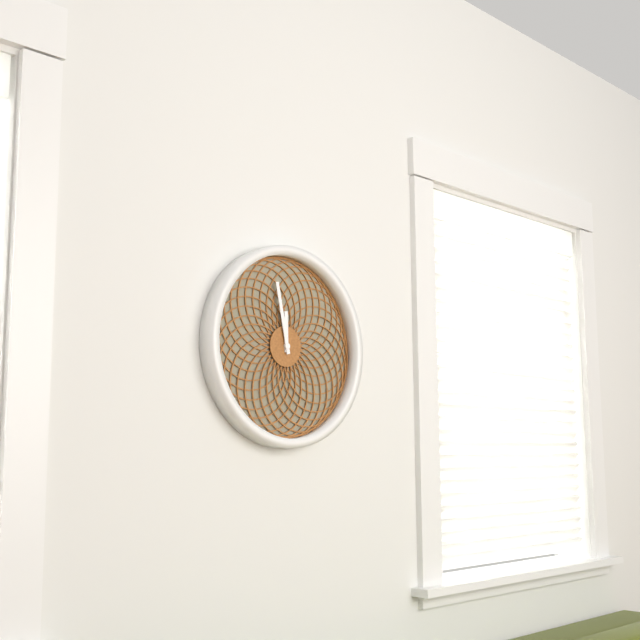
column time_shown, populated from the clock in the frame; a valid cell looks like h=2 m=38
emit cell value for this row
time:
h=11 m=58
